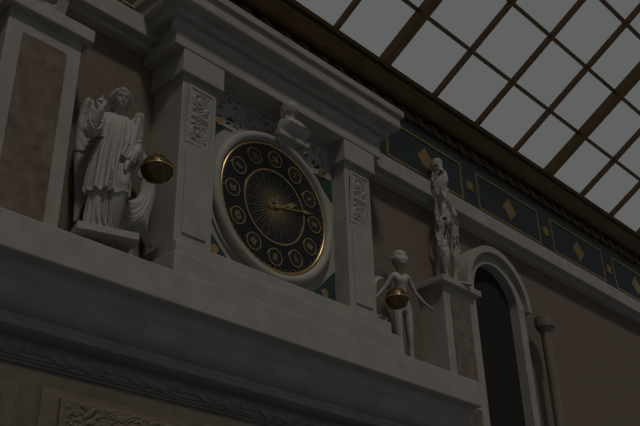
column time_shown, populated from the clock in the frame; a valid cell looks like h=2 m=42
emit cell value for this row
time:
h=2 m=13
